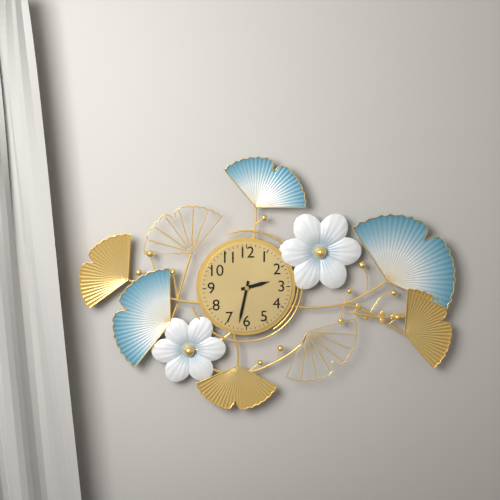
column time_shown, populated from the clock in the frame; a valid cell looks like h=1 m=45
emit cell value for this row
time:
h=2 m=32
